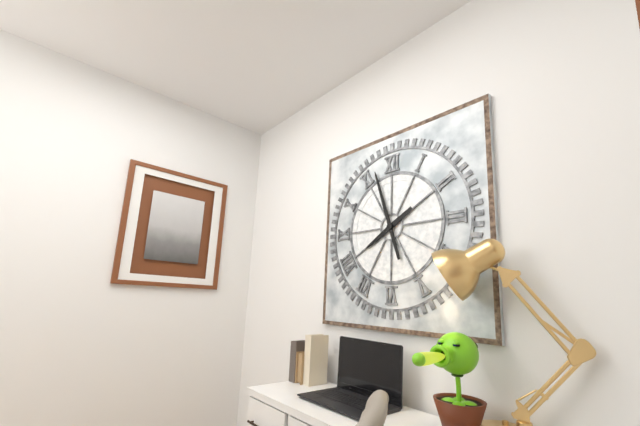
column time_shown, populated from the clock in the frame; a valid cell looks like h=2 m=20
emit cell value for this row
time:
h=7 m=57
